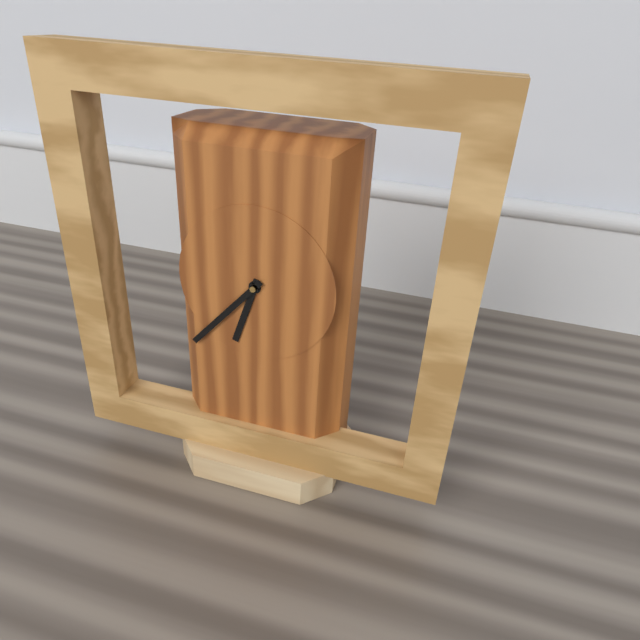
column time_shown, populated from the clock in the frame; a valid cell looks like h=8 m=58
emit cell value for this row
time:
h=6 m=37
